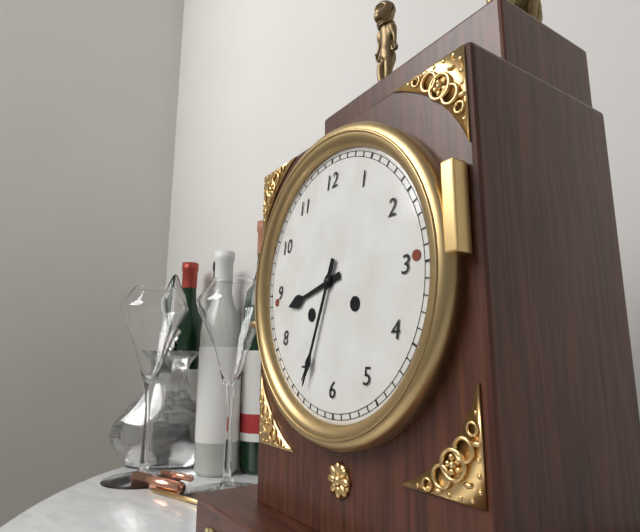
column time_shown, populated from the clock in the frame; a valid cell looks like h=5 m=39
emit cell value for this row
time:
h=8 m=34
